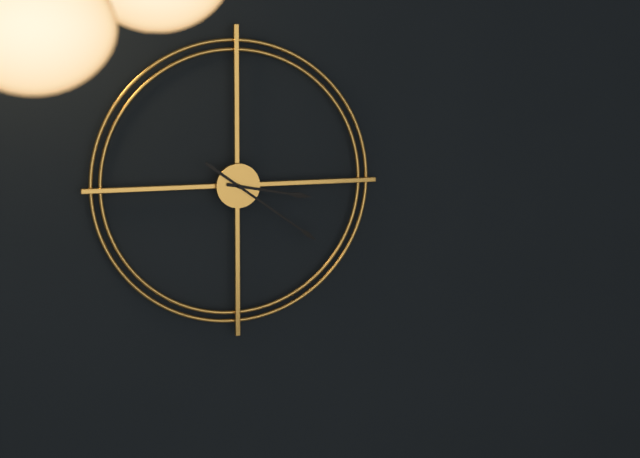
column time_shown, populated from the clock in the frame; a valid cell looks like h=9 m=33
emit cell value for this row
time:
h=3 m=21
